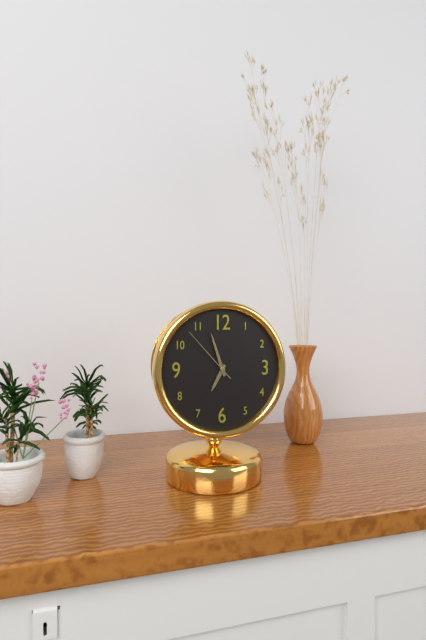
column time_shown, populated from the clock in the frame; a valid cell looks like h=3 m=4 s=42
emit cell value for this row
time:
h=6 m=57 s=53
